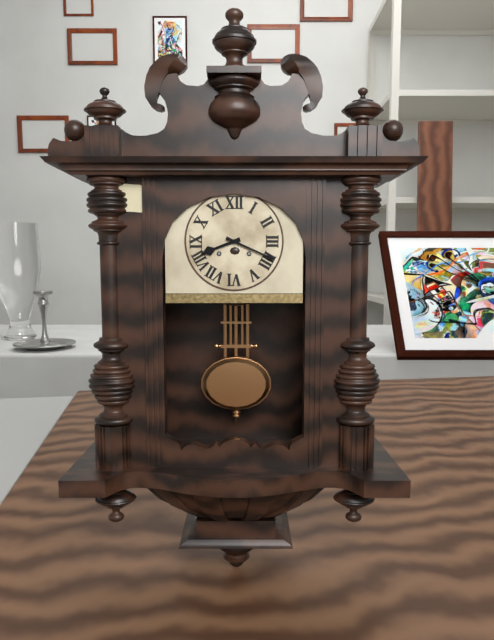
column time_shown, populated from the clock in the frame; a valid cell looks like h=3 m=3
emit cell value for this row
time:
h=8 m=19
